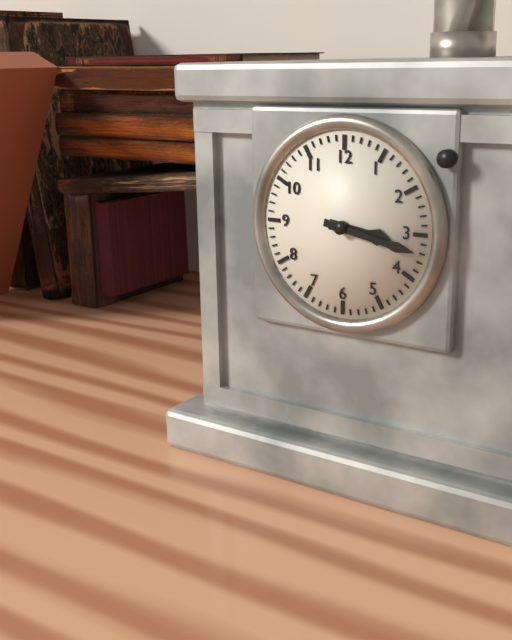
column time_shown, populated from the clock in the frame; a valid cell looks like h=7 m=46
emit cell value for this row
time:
h=3 m=17
